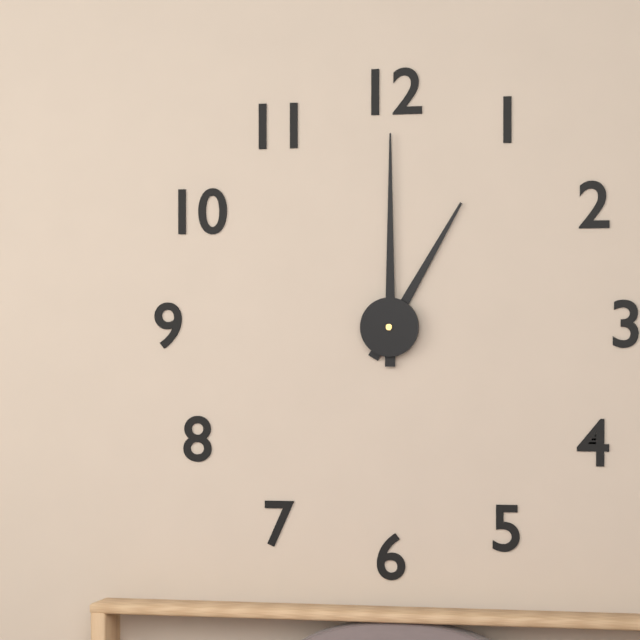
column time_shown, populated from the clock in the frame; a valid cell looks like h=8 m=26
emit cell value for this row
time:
h=1 m=0
